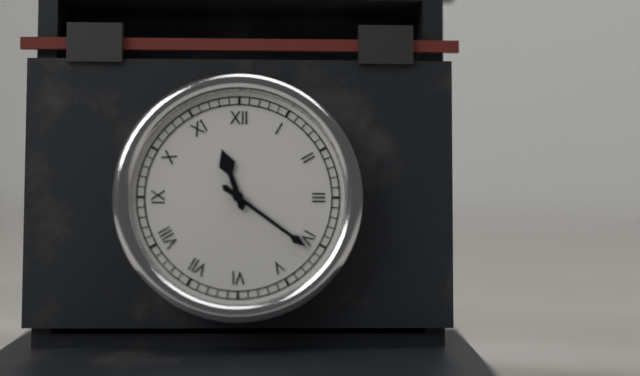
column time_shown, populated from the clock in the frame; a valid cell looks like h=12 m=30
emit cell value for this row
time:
h=11 m=21
